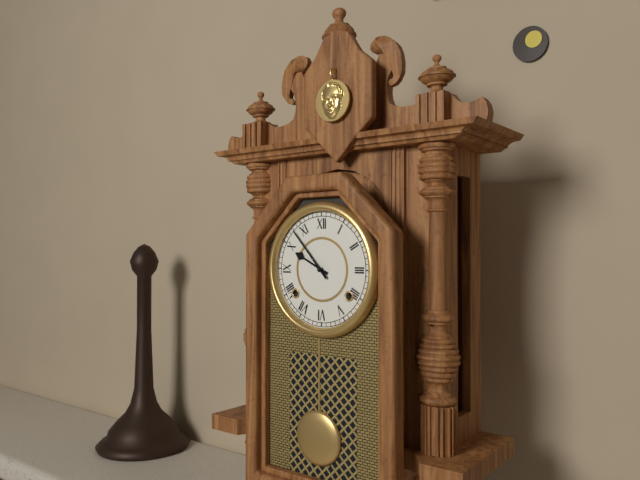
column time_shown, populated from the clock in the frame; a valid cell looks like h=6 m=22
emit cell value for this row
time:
h=9 m=53
